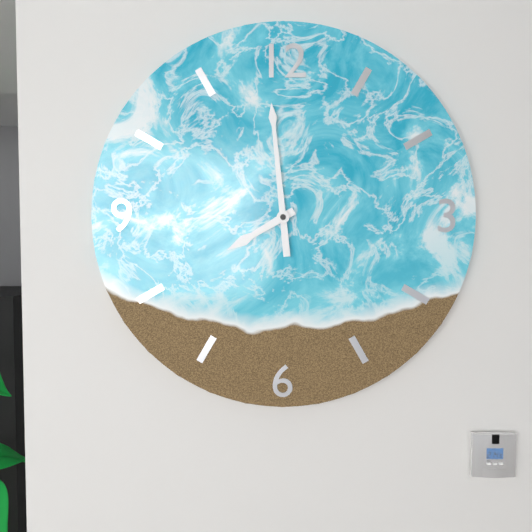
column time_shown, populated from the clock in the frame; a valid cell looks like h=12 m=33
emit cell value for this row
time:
h=7 m=59
